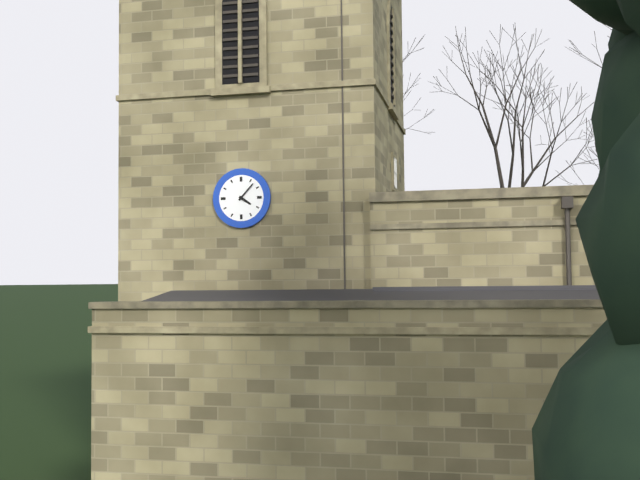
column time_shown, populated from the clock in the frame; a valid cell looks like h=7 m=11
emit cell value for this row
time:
h=4 m=7
